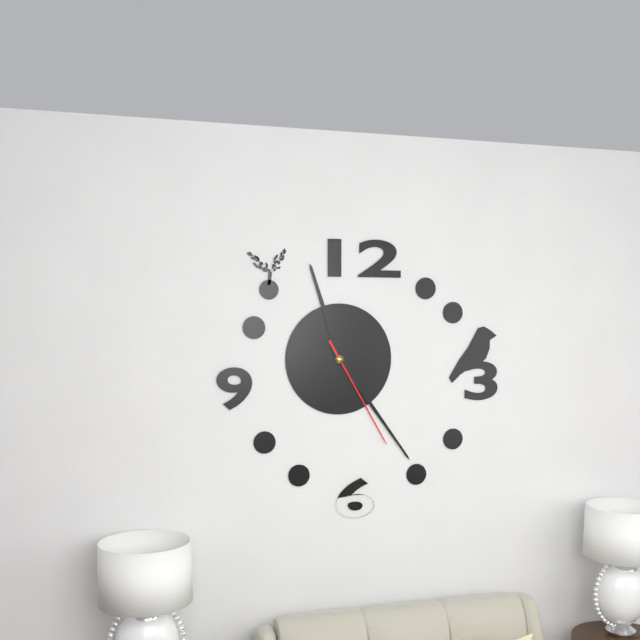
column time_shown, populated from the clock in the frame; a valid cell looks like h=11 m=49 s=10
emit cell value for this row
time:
h=11 m=24 s=25
